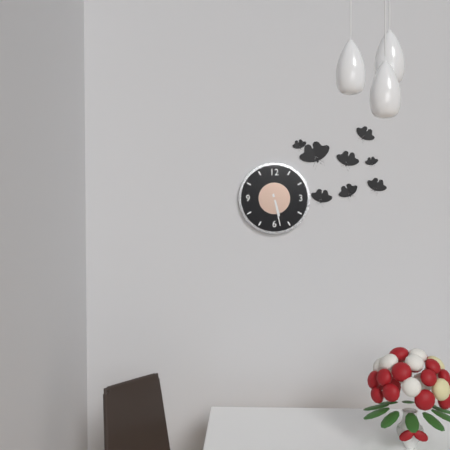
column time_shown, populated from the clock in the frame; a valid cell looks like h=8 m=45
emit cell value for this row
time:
h=5 m=28
